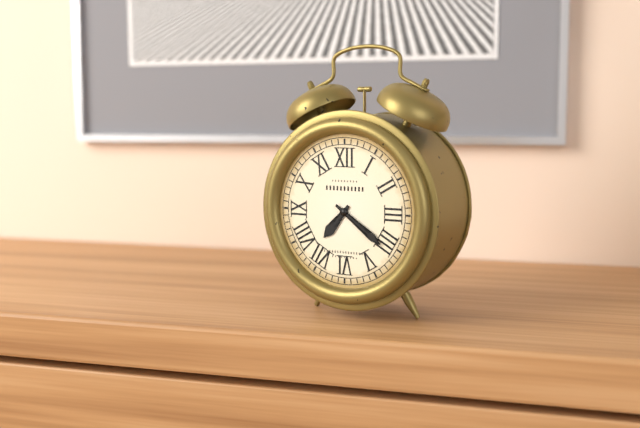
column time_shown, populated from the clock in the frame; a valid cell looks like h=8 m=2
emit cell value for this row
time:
h=7 m=21
